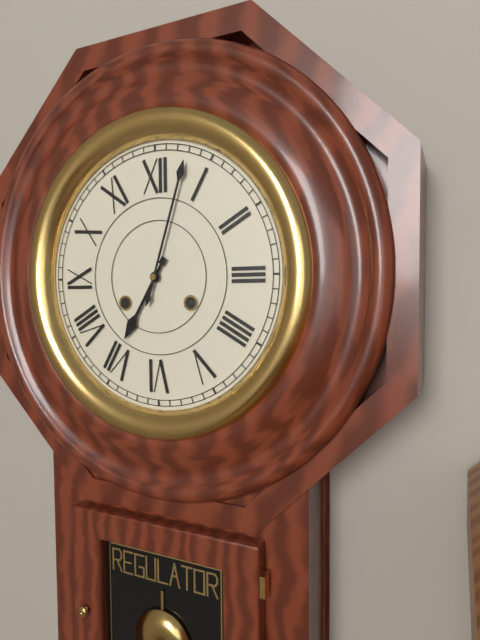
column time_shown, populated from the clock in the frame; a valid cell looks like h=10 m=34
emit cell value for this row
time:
h=7 m=3
